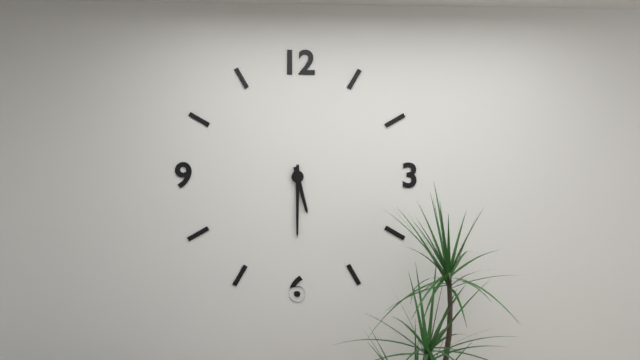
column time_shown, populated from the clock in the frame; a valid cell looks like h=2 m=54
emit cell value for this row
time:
h=5 m=30
